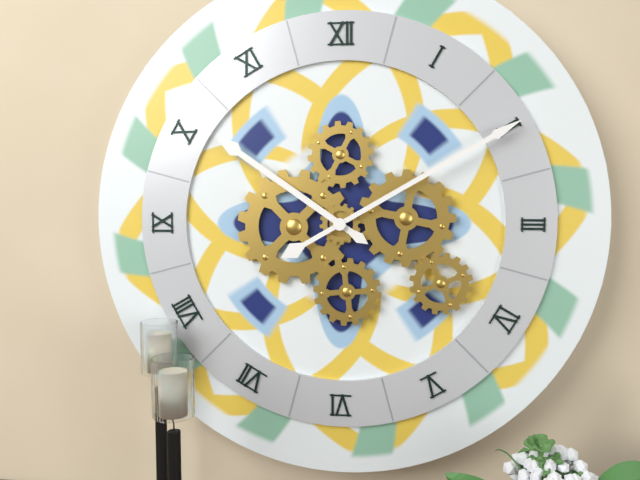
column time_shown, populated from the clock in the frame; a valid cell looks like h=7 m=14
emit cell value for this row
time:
h=10 m=10
